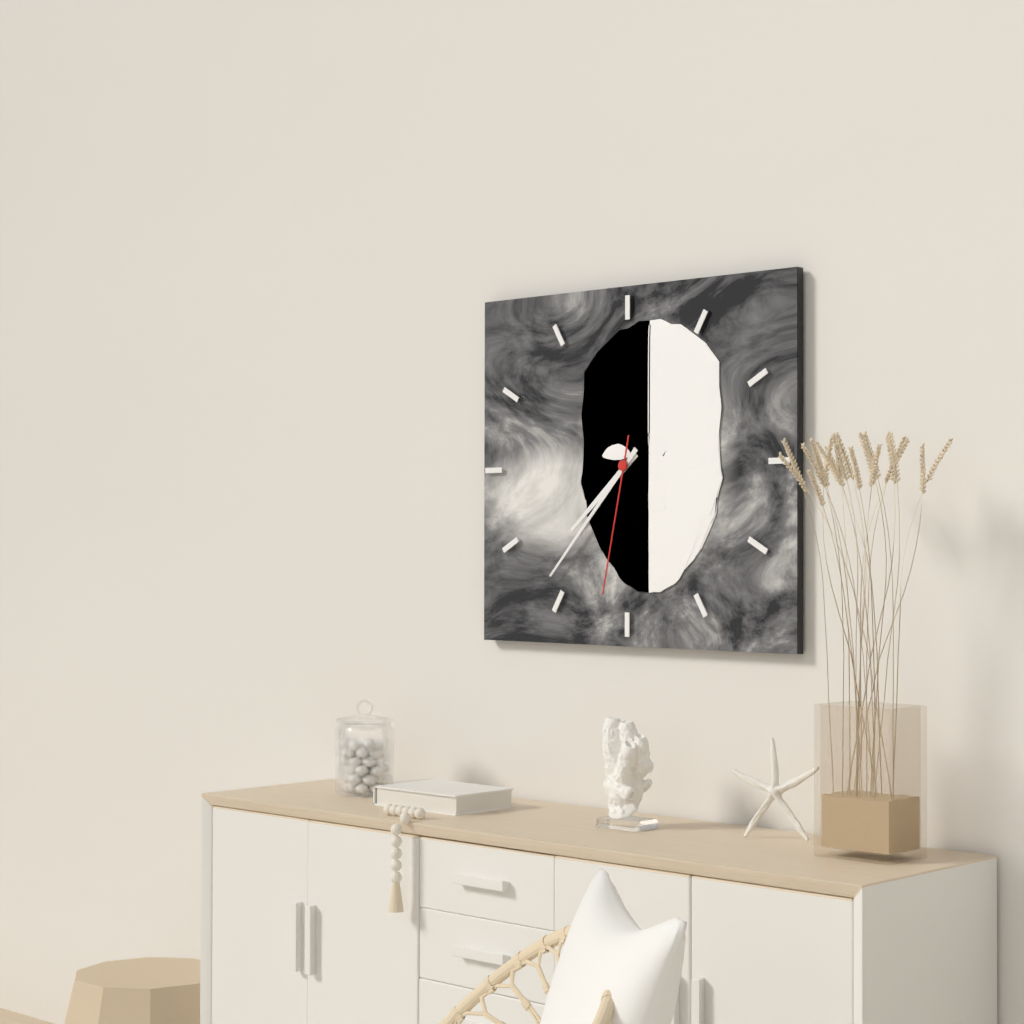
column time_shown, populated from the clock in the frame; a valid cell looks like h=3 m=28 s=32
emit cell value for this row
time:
h=7 m=37 s=32
